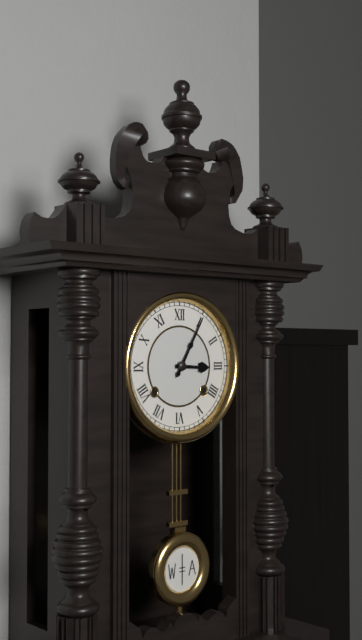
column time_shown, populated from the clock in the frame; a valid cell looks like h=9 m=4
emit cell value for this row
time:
h=3 m=5
